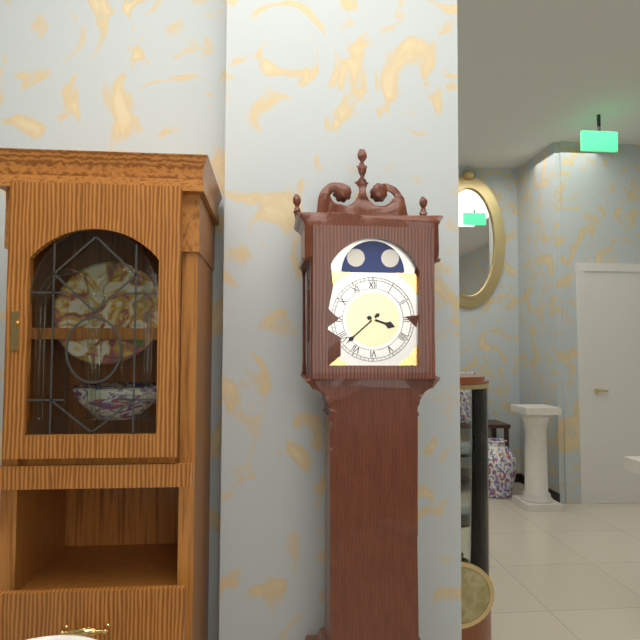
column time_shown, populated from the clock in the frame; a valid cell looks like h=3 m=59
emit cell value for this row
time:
h=3 m=38
